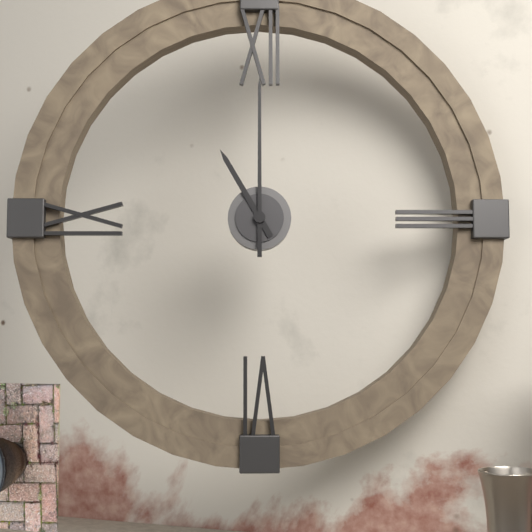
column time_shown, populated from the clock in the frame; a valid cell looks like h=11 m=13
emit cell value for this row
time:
h=11 m=0
